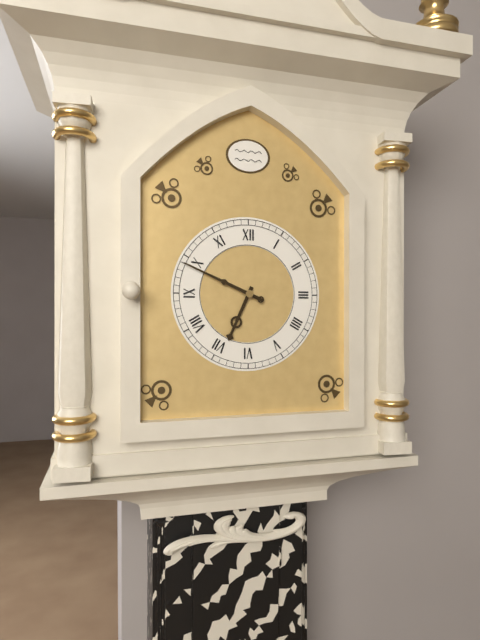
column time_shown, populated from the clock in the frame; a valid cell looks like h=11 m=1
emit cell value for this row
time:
h=6 m=49
